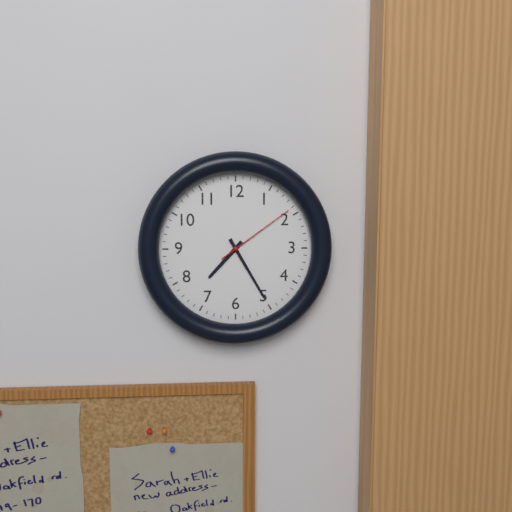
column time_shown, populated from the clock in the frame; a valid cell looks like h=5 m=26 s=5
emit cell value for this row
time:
h=7 m=25 s=9
